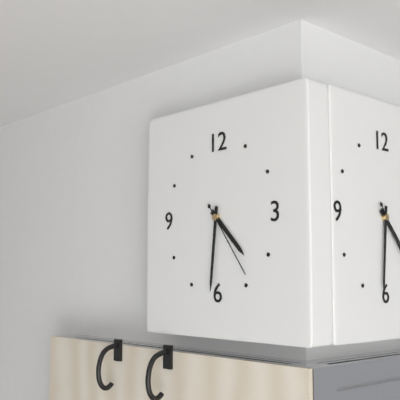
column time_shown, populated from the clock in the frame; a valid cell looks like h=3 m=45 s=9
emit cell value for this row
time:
h=4 m=31 s=24
